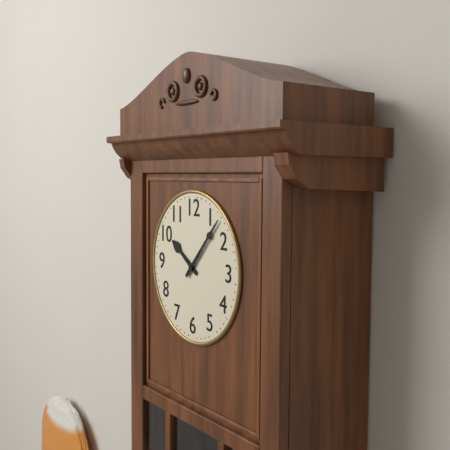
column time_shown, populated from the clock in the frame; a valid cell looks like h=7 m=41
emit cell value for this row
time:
h=10 m=7
